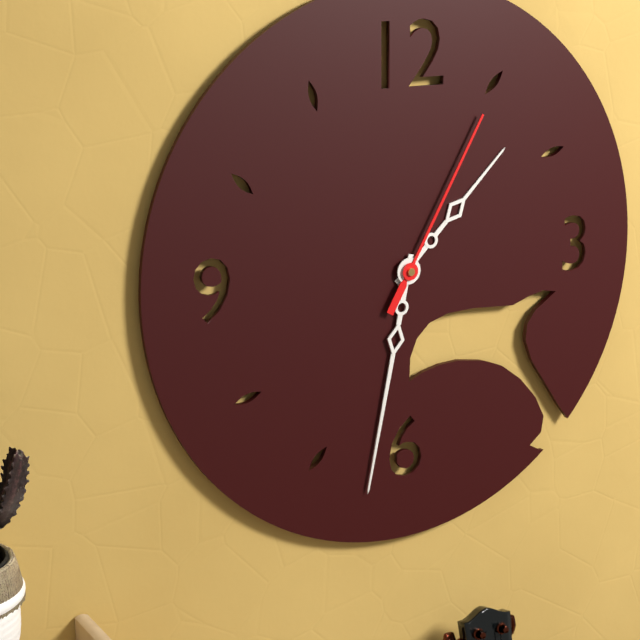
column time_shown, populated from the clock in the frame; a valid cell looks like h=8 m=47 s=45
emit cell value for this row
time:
h=1 m=32 s=5
